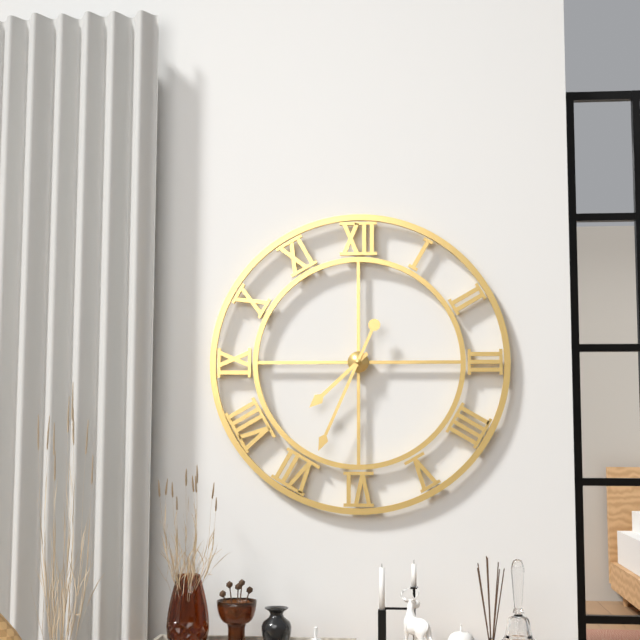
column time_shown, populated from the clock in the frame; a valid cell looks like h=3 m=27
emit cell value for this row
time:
h=7 m=34
